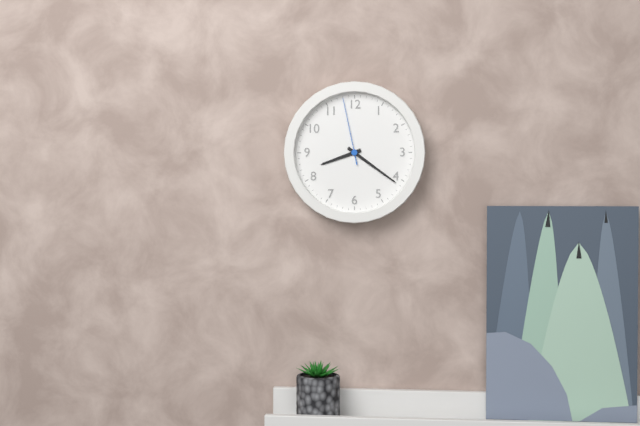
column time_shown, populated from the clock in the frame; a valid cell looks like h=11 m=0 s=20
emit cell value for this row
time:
h=8 m=21 s=58
